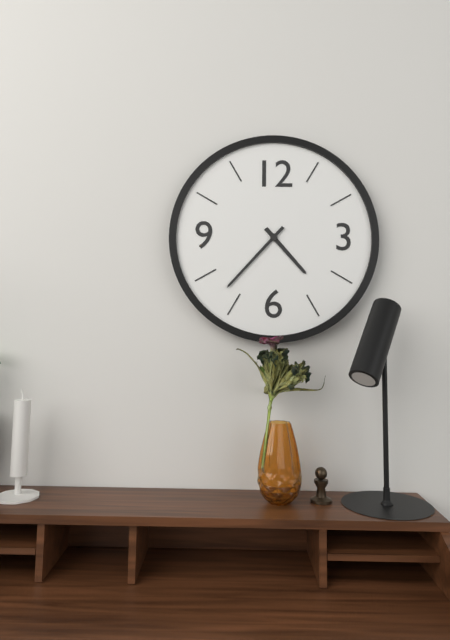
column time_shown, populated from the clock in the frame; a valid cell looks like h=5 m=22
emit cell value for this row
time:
h=4 m=37
